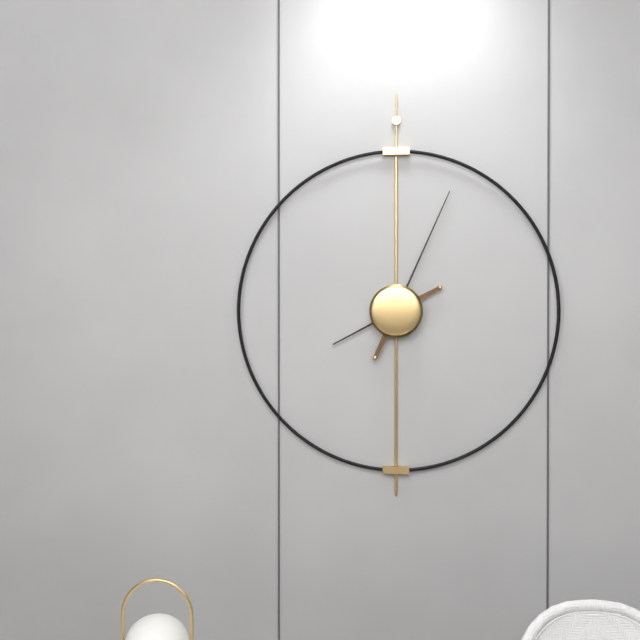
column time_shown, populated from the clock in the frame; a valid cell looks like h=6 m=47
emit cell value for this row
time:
h=8 m=4
